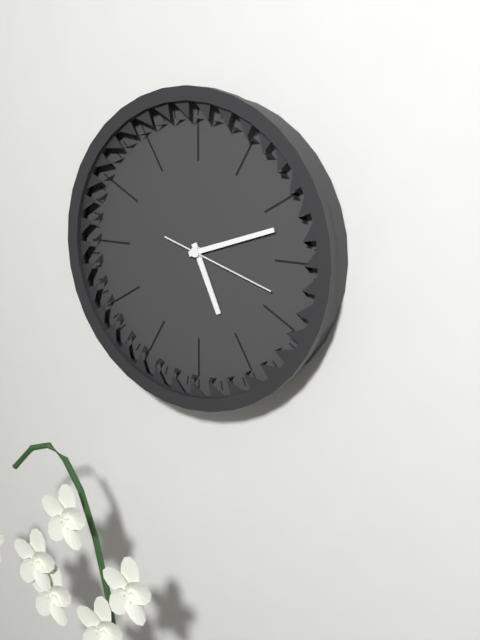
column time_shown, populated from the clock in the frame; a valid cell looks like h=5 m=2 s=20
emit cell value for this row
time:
h=5 m=12 s=18
